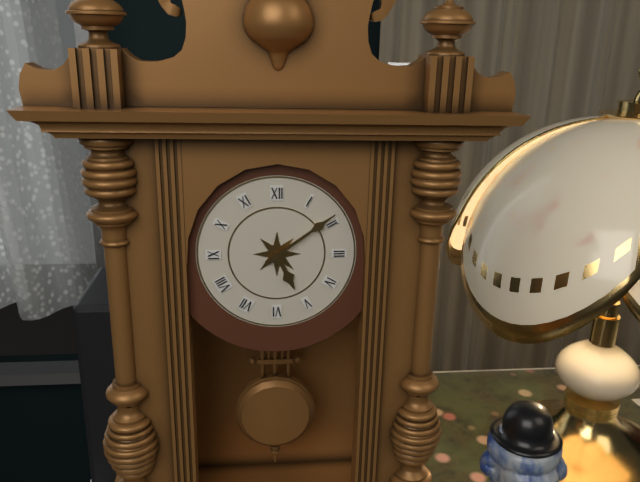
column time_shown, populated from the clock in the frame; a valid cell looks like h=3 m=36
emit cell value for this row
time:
h=5 m=9
